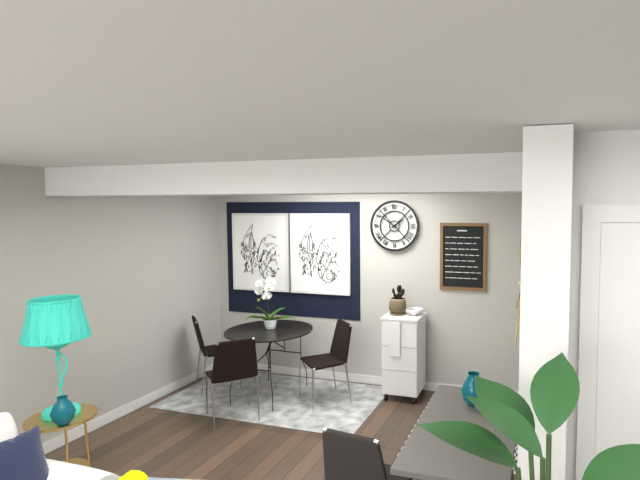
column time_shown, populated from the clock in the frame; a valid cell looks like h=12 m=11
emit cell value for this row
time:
h=1 m=51
